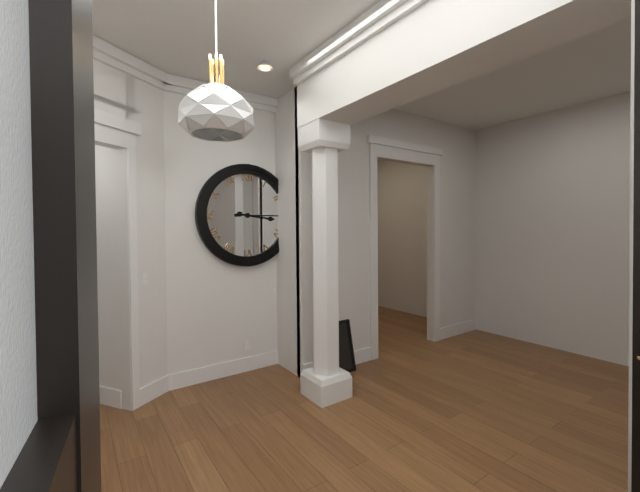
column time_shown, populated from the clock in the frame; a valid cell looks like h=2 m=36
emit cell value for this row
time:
h=3 m=15
